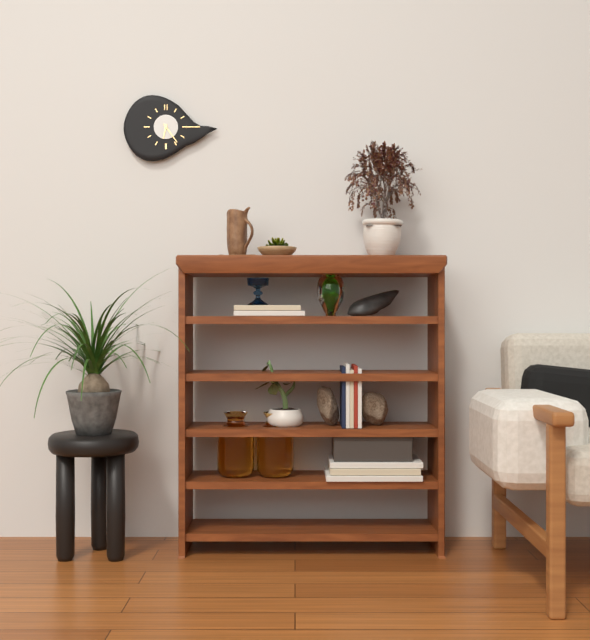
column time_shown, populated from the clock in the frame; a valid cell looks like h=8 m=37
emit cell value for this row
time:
h=6 m=24
